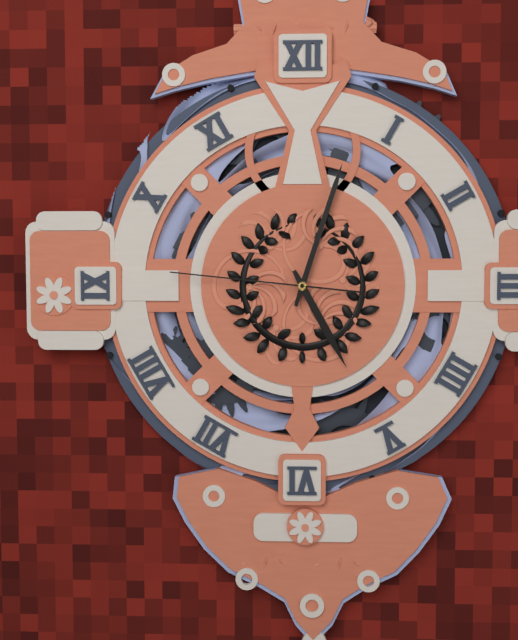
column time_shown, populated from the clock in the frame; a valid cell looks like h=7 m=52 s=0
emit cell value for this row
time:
h=5 m=3 s=46
